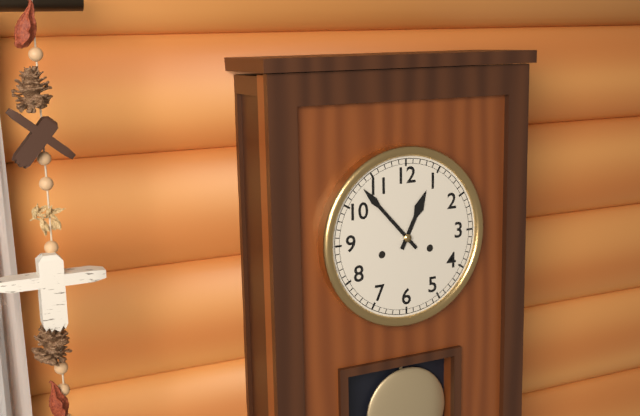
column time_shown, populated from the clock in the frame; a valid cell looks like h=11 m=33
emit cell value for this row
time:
h=12 m=53
